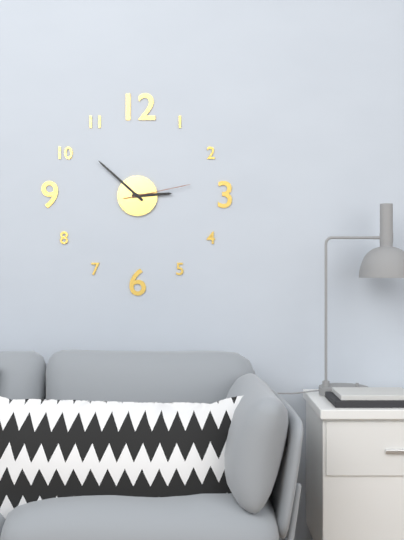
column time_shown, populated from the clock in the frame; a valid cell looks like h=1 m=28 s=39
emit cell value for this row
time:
h=2 m=52 s=13
